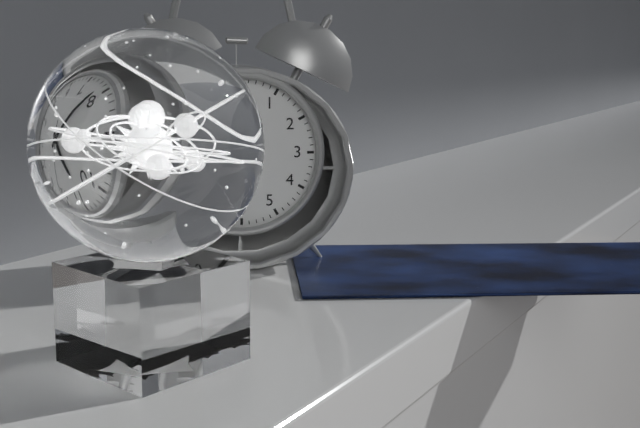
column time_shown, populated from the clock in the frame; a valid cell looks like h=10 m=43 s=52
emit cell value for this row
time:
h=10 m=39 s=1
